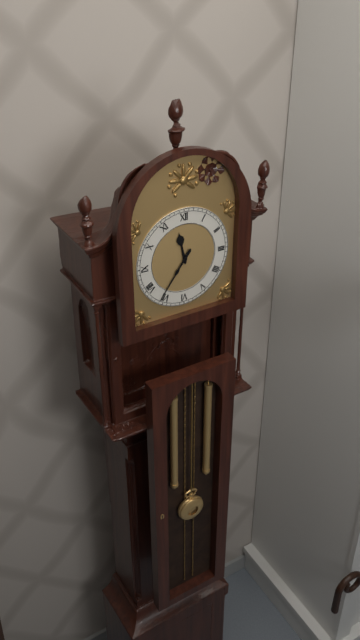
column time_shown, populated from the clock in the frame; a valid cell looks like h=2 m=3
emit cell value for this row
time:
h=11 m=36
